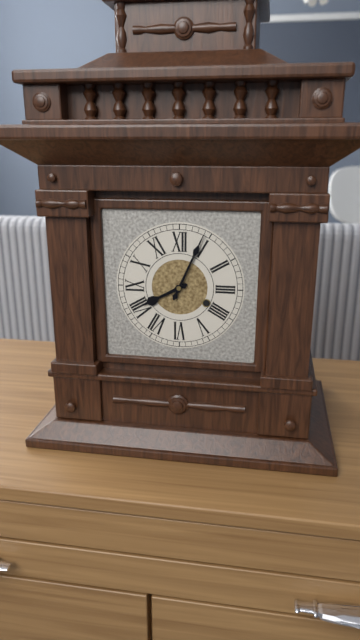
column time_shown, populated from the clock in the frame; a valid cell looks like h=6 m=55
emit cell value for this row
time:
h=8 m=4
